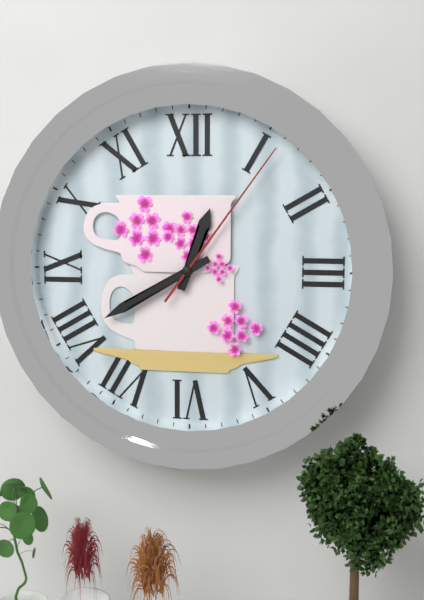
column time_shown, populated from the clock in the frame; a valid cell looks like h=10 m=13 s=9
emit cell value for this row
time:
h=12 m=40 s=6
